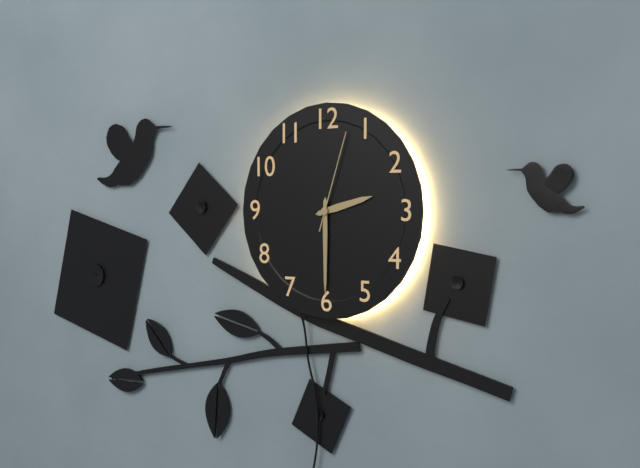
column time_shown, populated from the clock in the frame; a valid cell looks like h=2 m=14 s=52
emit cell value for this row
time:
h=2 m=30 s=3
